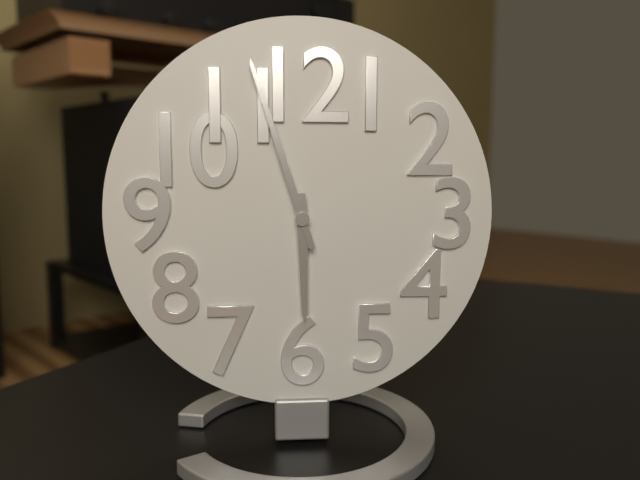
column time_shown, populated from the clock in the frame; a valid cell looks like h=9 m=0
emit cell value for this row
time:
h=5 m=57
